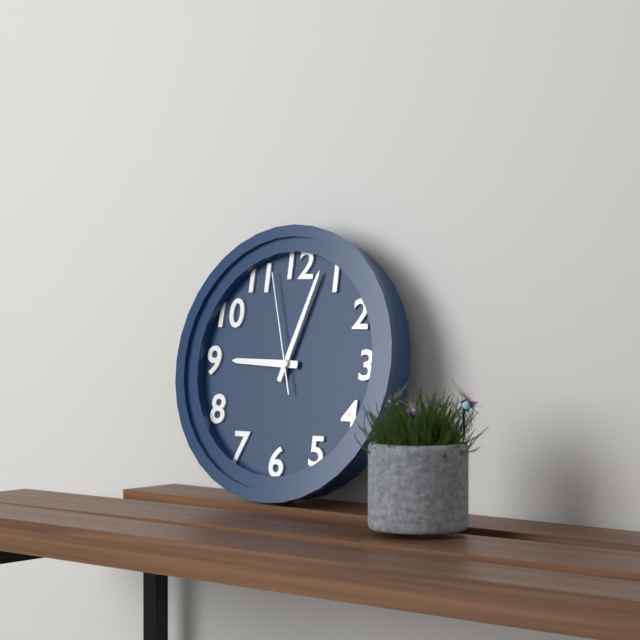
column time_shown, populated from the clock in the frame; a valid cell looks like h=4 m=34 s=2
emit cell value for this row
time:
h=9 m=3 s=57
